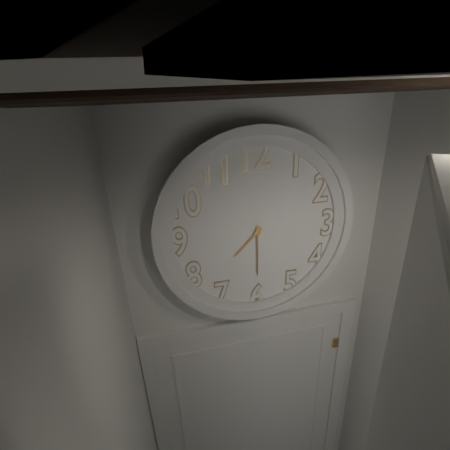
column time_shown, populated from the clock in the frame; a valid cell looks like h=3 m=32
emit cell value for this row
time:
h=7 m=30
